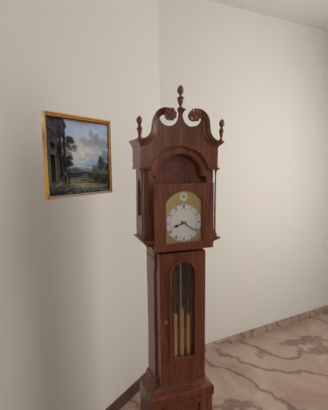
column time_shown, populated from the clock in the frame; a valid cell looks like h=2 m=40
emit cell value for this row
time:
h=8 m=21
